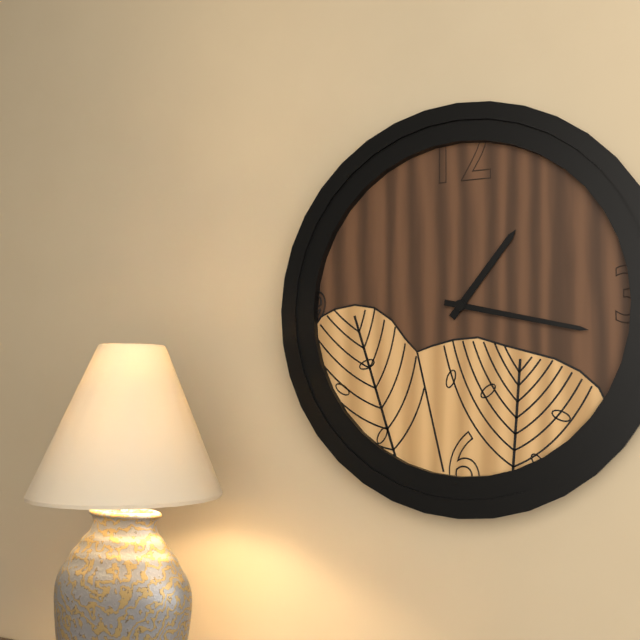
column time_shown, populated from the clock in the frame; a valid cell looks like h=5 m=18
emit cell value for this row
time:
h=1 m=17
